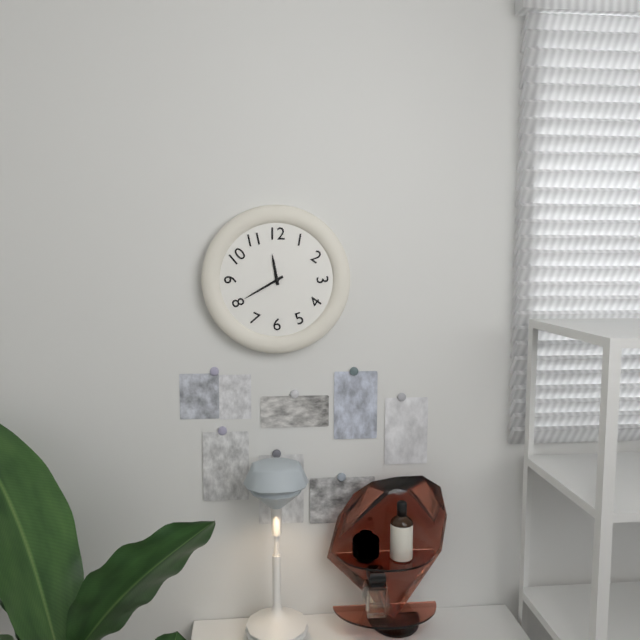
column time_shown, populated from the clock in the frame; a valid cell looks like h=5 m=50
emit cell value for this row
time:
h=11 m=40
